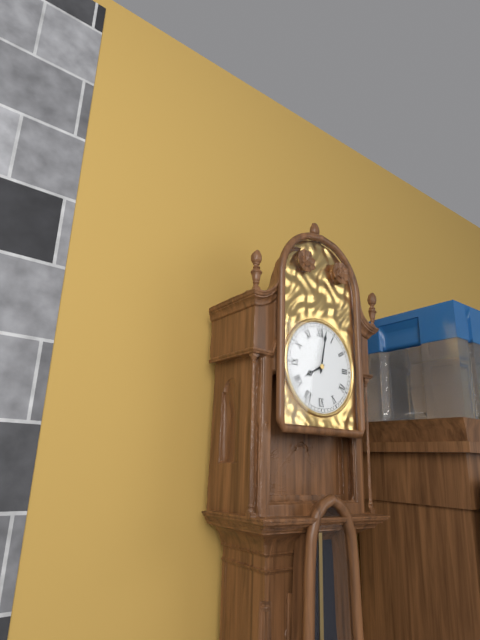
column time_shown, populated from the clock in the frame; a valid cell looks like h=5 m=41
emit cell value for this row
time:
h=8 m=2
